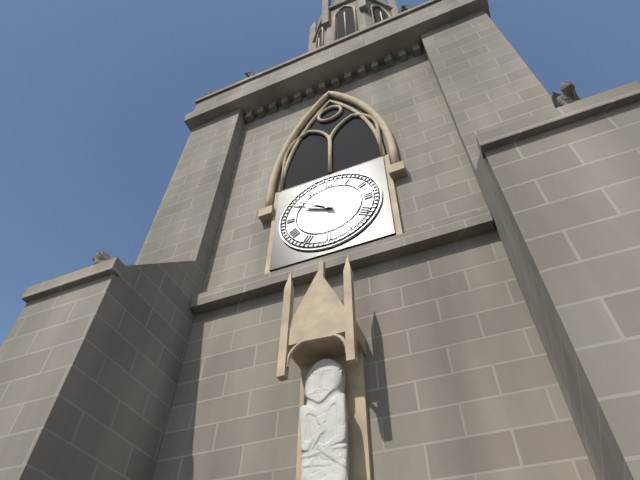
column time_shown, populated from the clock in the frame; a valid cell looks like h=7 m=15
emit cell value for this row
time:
h=9 m=51
